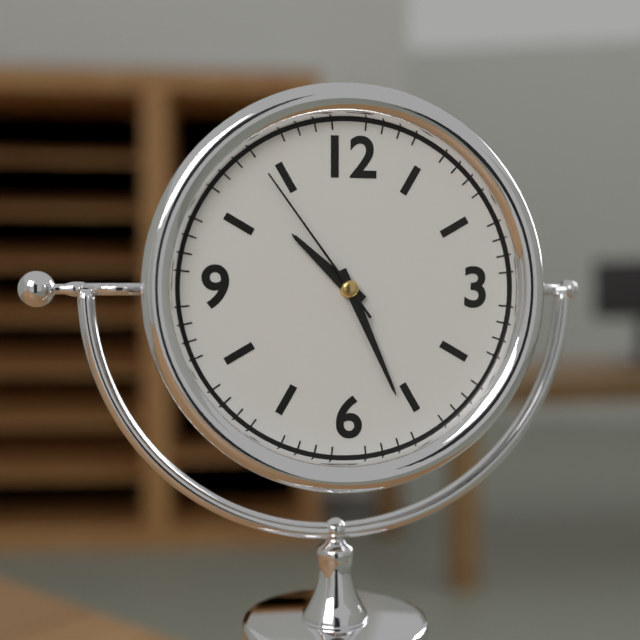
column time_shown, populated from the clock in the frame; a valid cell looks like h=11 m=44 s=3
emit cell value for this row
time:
h=10 m=26 s=54
